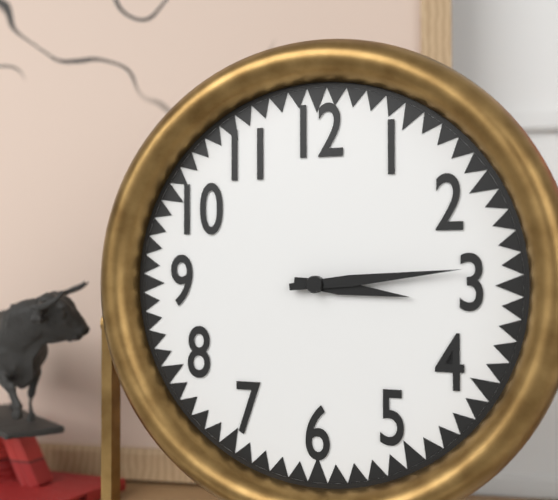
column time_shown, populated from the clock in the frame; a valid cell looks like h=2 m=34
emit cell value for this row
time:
h=3 m=14
